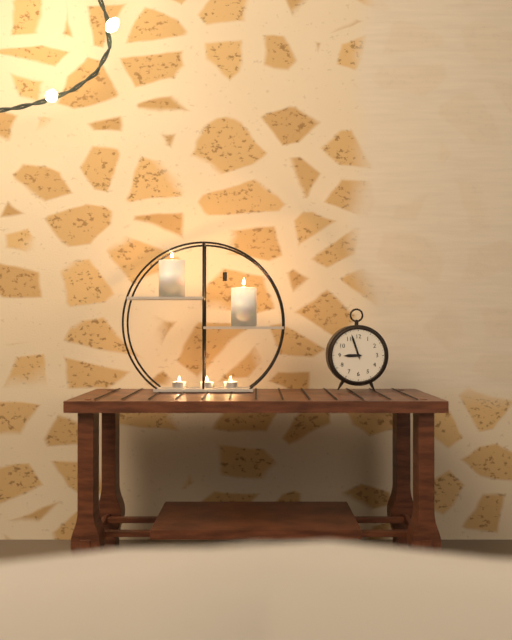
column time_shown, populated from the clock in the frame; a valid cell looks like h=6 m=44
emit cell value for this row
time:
h=8 m=57
